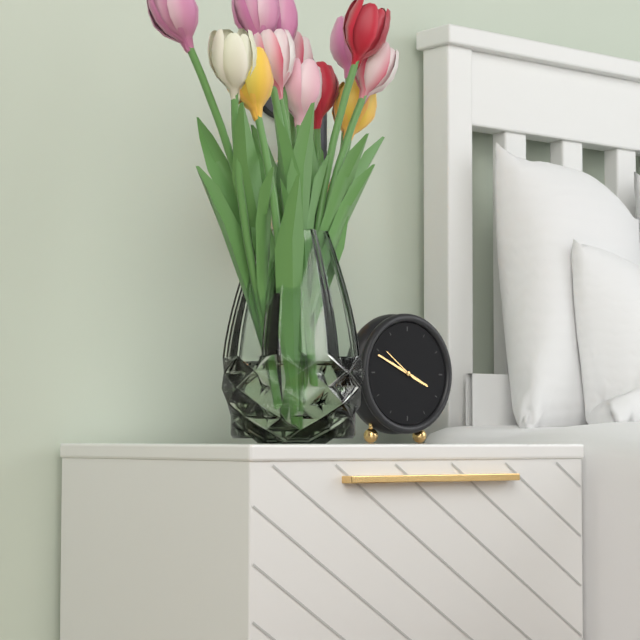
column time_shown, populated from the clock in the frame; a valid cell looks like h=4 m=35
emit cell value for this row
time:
h=3 m=49
